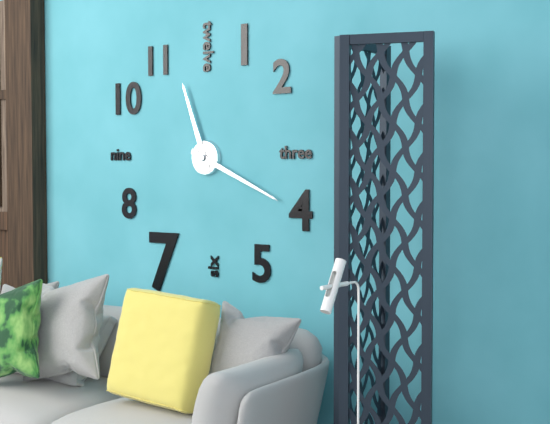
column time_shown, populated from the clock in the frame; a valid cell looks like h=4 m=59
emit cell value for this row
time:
h=11 m=19
